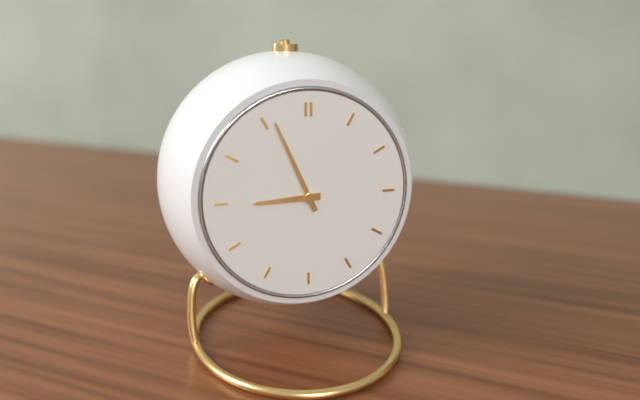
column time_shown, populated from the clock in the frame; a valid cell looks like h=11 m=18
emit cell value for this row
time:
h=8 m=56
